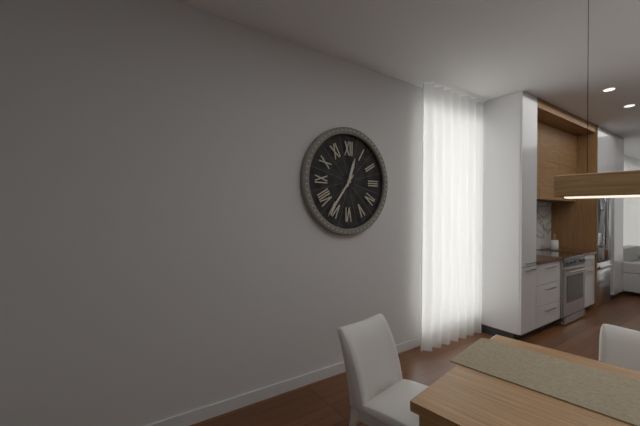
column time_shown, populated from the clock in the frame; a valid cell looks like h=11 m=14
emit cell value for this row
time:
h=12 m=36
